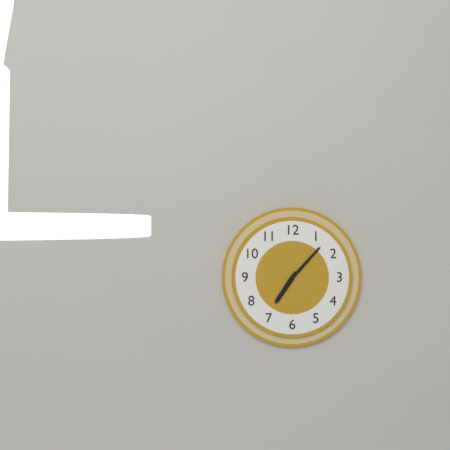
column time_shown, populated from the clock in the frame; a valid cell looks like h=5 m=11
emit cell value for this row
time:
h=7 m=7
